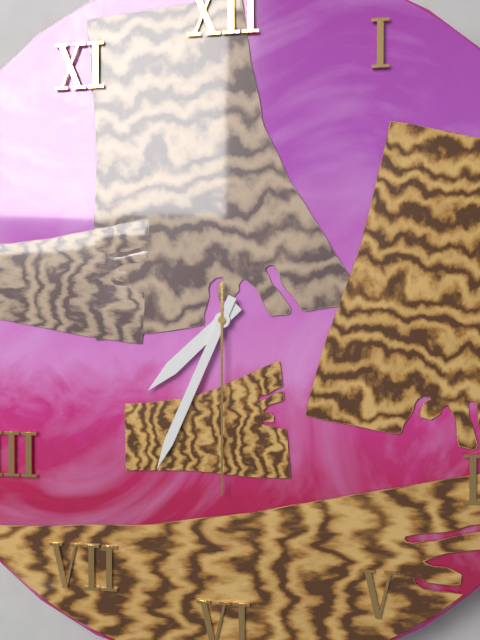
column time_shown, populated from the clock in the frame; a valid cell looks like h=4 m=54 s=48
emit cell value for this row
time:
h=7 m=34 s=30
